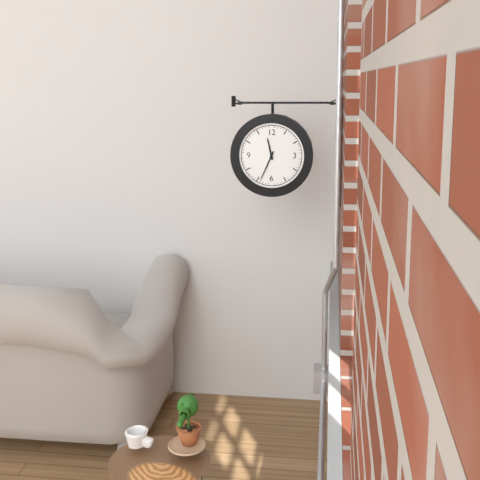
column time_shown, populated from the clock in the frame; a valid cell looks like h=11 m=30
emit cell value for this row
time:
h=11 m=34
